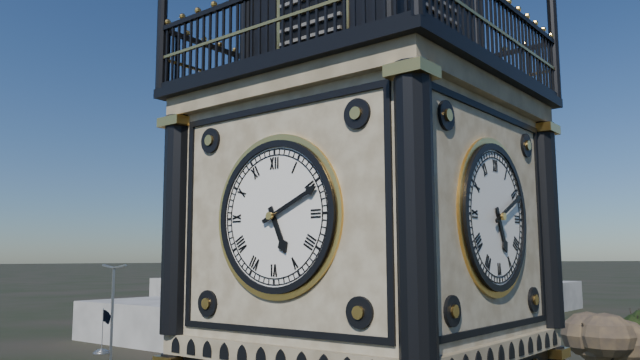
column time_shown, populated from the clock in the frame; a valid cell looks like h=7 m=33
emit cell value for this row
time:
h=5 m=11
